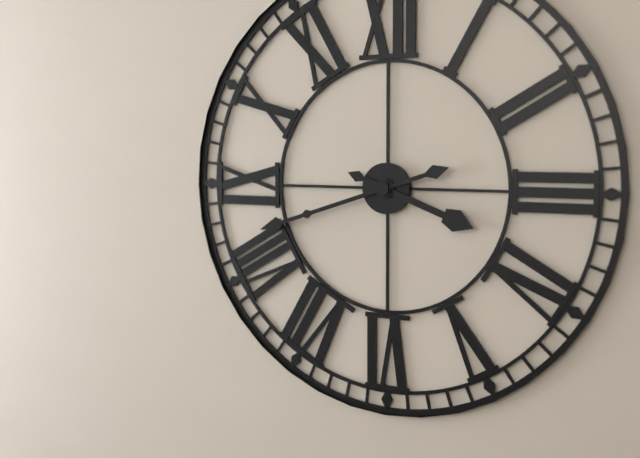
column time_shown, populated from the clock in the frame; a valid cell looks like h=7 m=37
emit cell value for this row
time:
h=3 m=42
